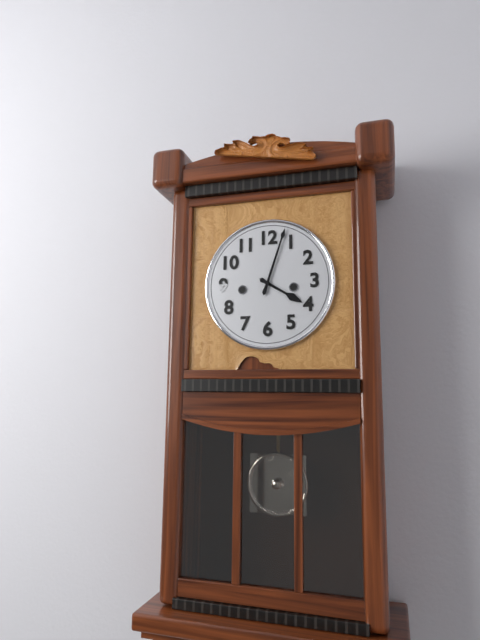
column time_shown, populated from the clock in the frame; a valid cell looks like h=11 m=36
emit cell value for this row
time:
h=4 m=3
